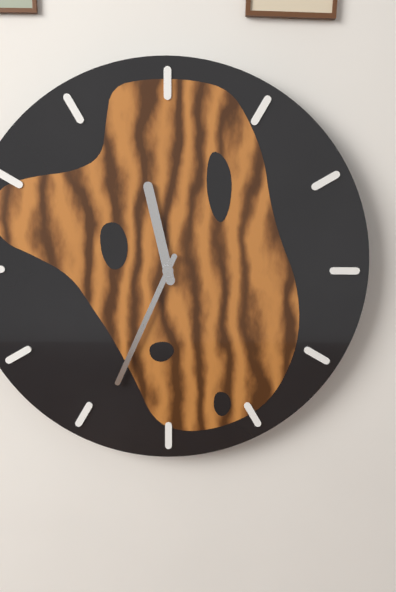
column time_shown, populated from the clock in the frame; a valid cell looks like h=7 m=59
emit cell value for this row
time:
h=11 m=34
